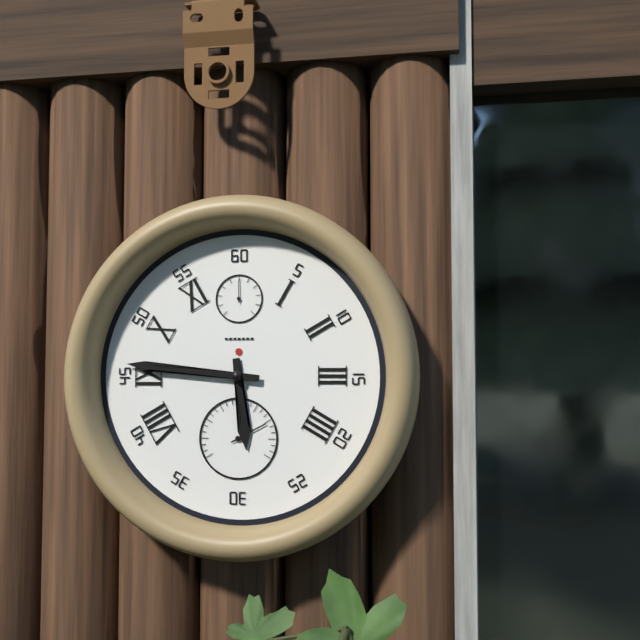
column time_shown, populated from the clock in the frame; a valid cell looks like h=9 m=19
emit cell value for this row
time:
h=5 m=46
